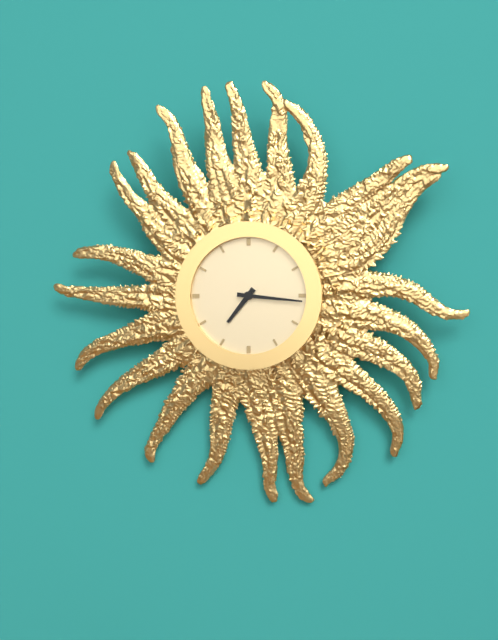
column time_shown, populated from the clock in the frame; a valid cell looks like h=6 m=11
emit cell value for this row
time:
h=7 m=16
